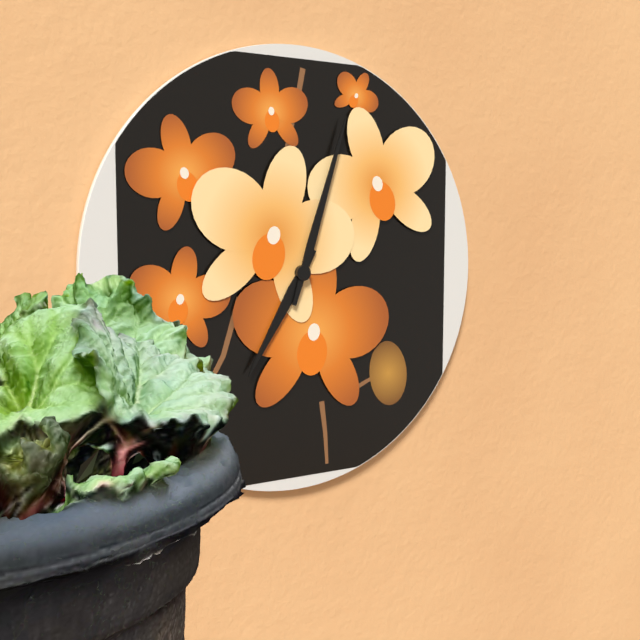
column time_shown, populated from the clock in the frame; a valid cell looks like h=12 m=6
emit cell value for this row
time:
h=7 m=3
